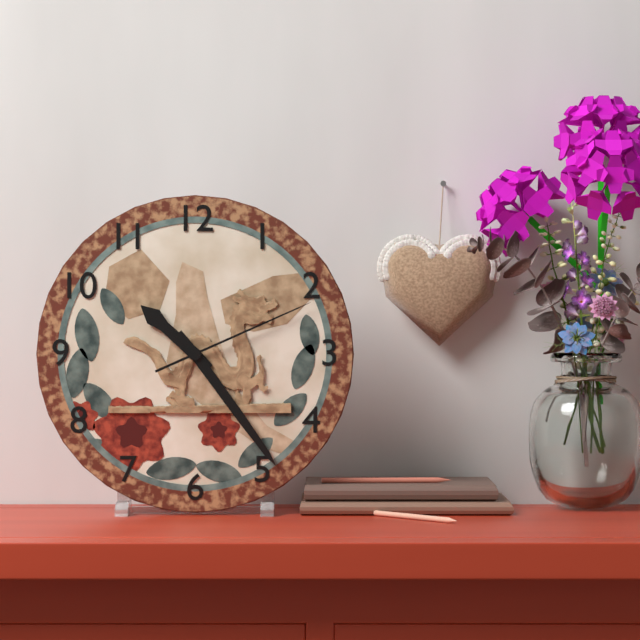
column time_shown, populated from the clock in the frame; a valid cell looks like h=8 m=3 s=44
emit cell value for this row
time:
h=10 m=24 s=11
